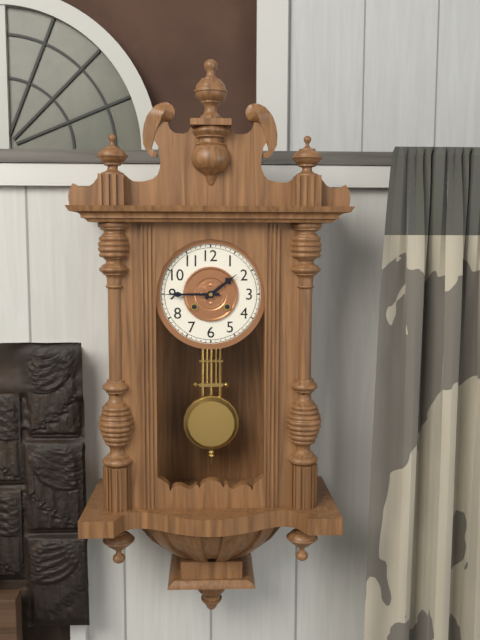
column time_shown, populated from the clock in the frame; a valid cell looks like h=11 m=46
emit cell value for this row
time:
h=1 m=45
